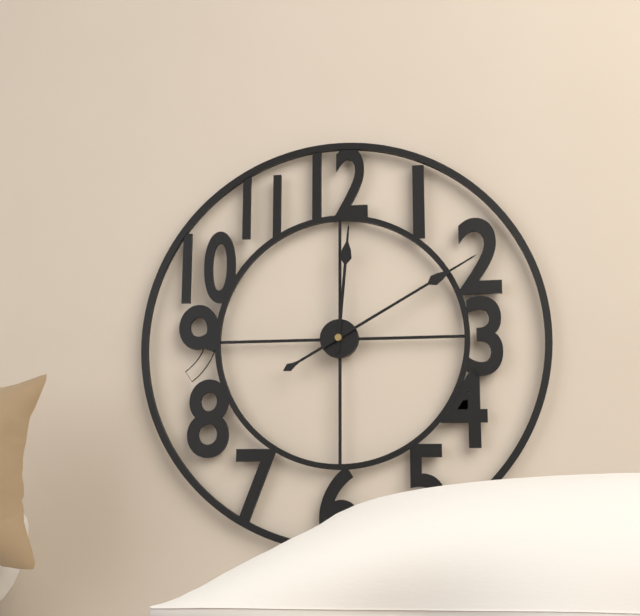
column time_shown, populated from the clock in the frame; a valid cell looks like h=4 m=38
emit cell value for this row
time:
h=12 m=10
